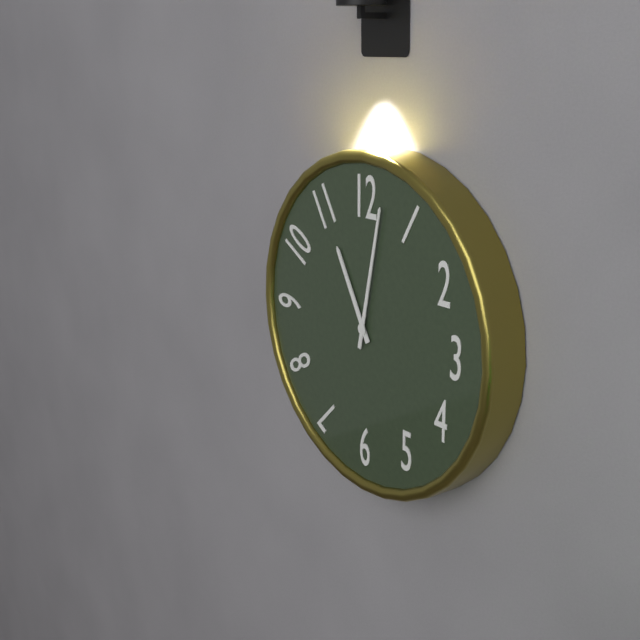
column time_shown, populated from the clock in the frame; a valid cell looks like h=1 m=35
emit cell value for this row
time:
h=11 m=2
